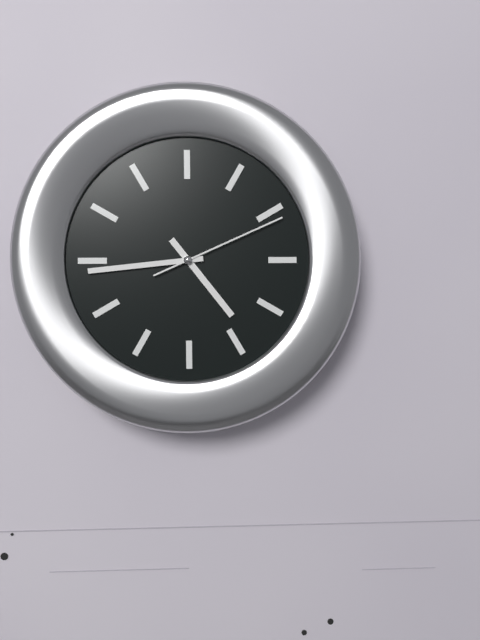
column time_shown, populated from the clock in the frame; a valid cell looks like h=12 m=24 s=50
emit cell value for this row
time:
h=4 m=44 s=11
